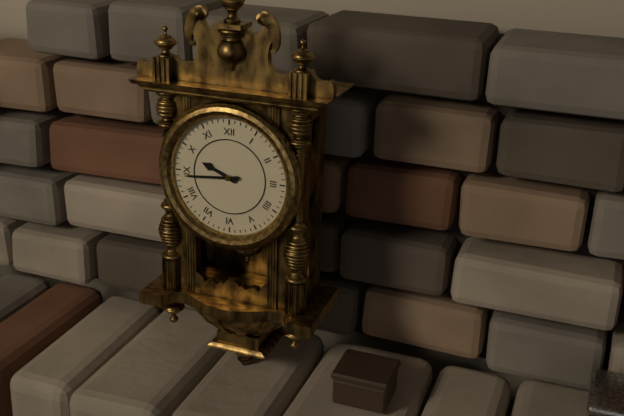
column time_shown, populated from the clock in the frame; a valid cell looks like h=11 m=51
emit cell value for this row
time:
h=9 m=44
